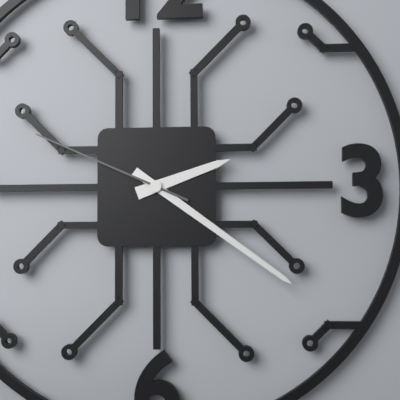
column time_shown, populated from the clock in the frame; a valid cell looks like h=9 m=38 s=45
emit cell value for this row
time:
h=2 m=21 s=49
